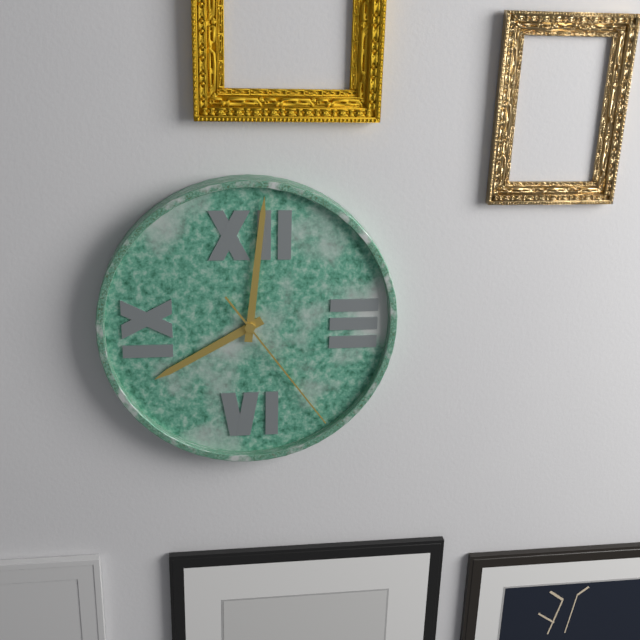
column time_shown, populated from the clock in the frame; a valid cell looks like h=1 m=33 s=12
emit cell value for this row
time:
h=8 m=1 s=24
